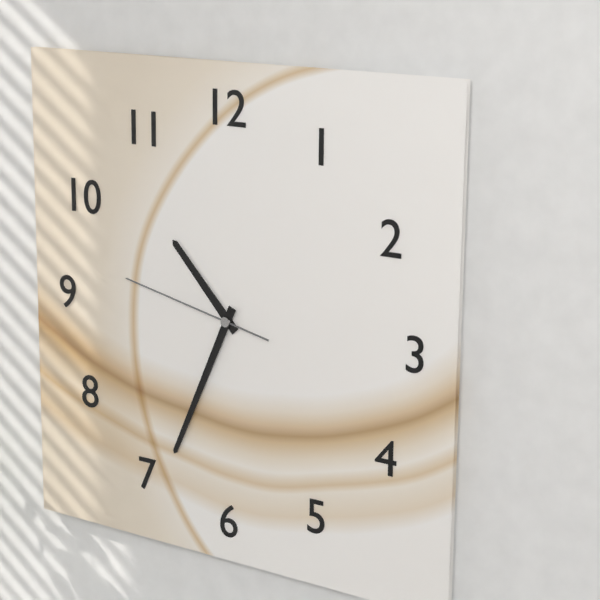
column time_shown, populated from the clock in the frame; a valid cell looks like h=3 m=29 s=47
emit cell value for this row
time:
h=10 m=34 s=47
